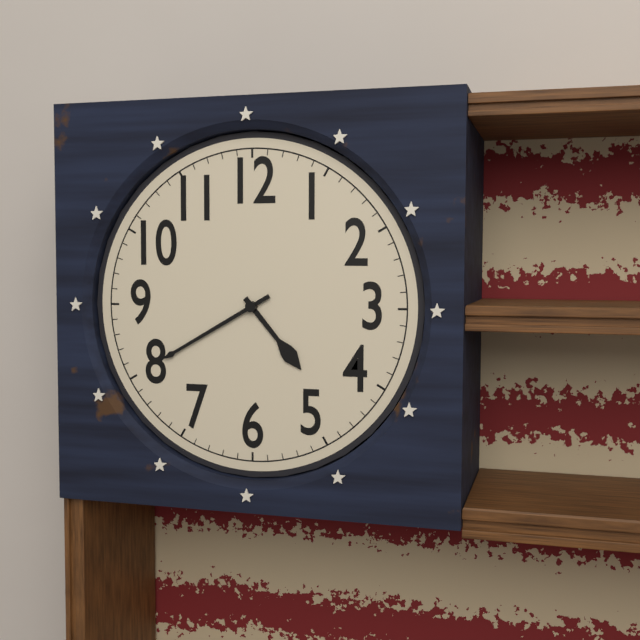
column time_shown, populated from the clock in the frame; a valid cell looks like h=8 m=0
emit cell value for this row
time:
h=4 m=40
